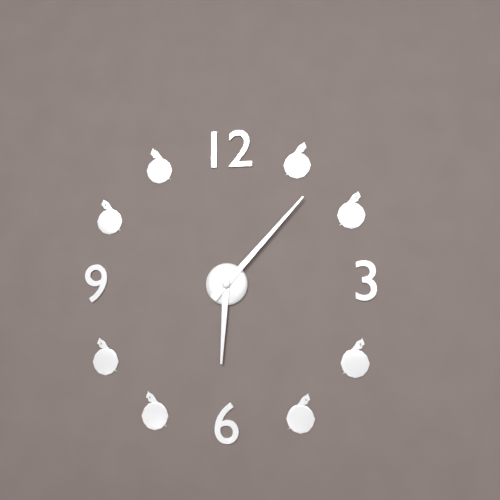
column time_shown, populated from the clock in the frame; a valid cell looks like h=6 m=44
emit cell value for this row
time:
h=6 m=7
